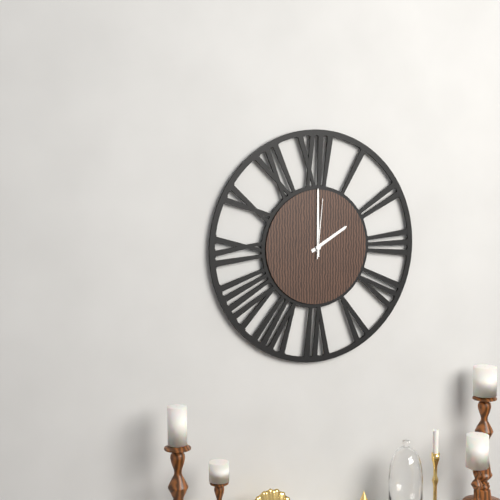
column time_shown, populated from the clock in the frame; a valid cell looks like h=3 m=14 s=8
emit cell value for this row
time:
h=2 m=0 s=1
